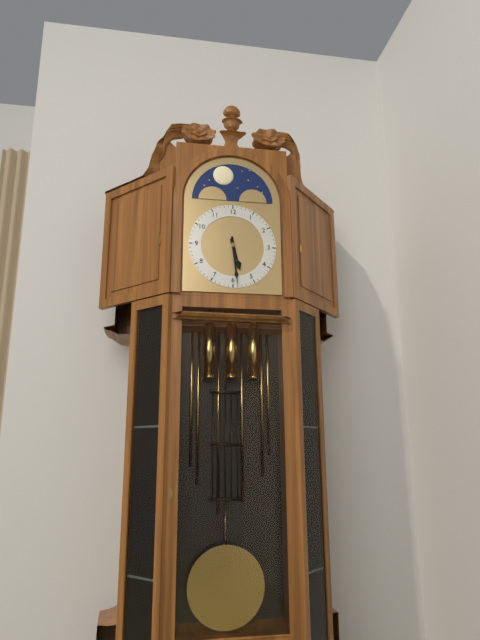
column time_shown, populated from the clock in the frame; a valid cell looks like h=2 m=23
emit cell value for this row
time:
h=5 m=29
